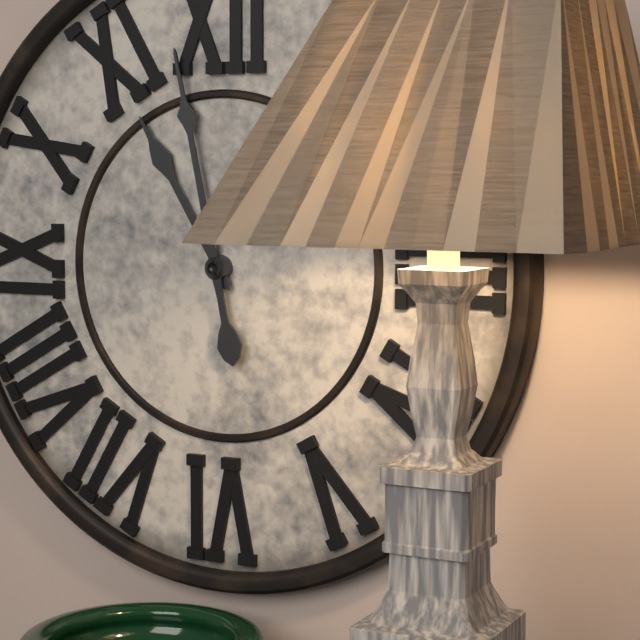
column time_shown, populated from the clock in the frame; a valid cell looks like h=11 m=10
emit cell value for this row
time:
h=10 m=58
